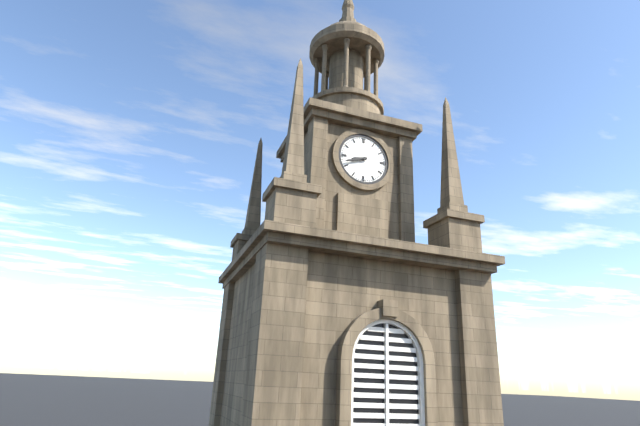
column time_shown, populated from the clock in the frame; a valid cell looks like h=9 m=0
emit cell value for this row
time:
h=8 m=42
